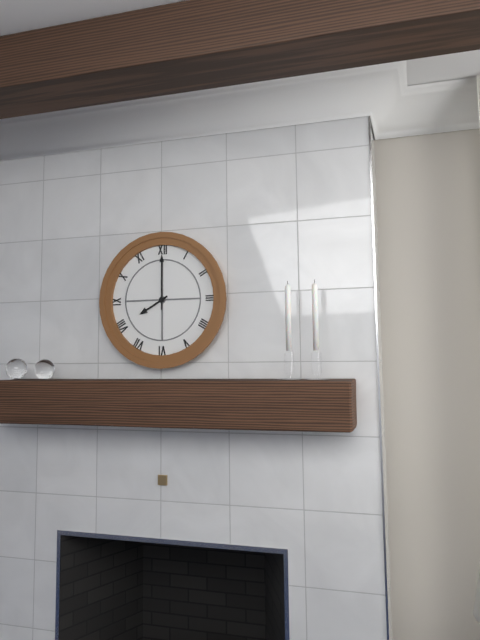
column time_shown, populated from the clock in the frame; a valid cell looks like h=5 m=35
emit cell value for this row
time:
h=8 m=0
